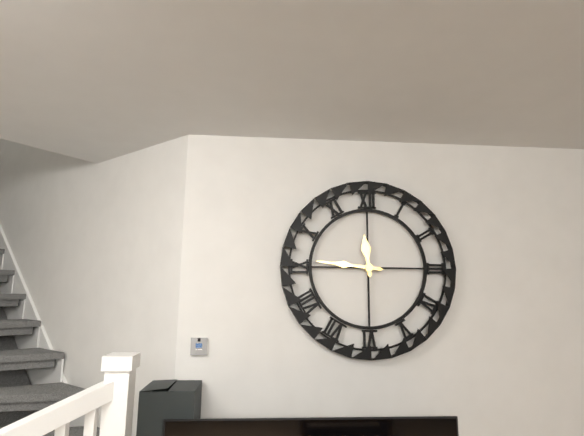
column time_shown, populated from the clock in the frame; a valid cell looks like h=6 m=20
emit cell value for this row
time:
h=11 m=46
